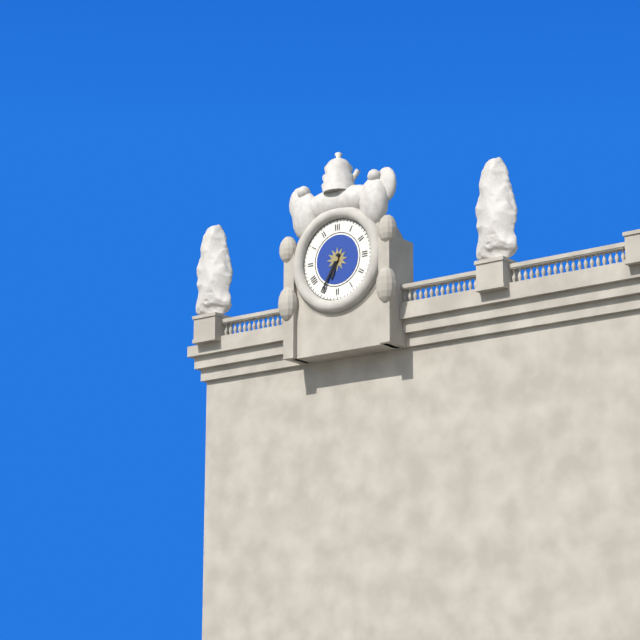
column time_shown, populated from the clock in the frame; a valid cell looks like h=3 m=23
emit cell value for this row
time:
h=6 m=35
